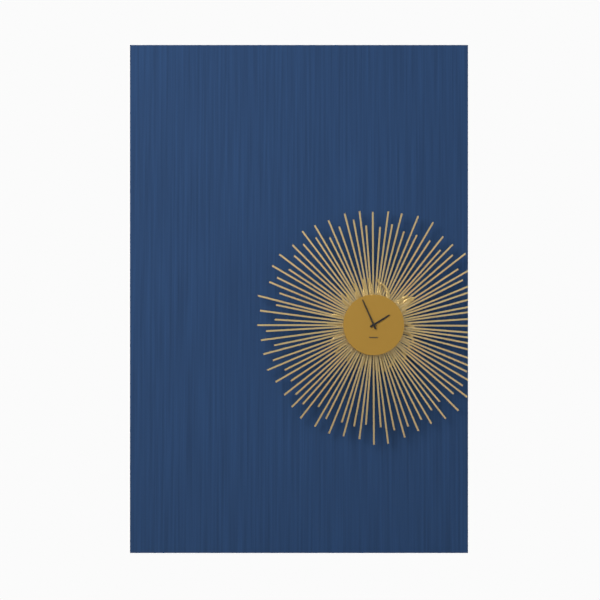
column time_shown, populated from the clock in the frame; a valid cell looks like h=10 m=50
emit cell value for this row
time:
h=1 m=56
